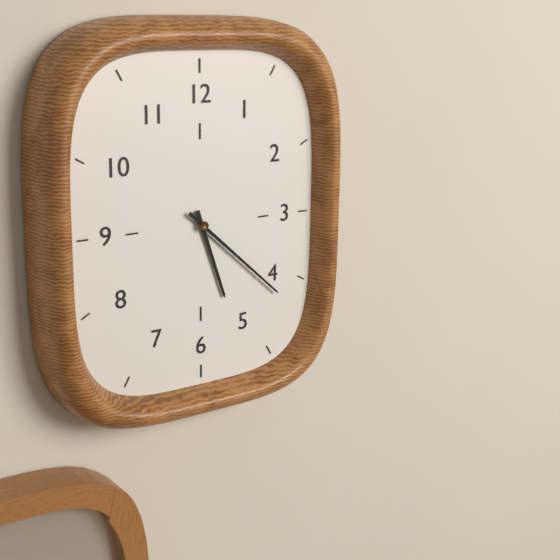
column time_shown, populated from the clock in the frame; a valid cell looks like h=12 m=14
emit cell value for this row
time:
h=5 m=22
